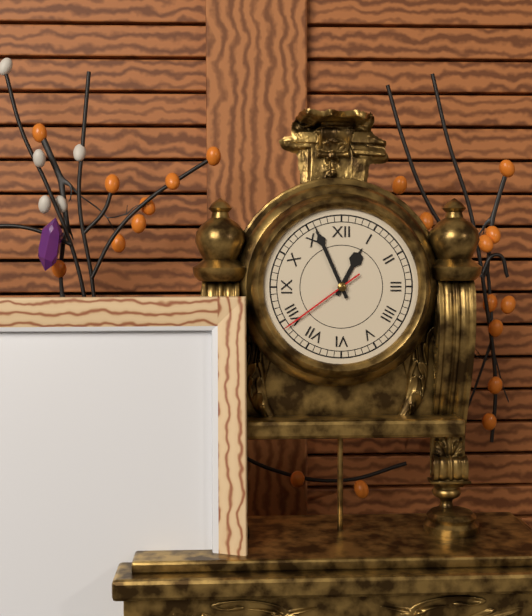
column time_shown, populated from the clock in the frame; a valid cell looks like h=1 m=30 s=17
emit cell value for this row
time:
h=12 m=56 s=39
